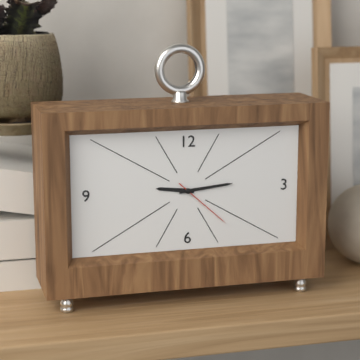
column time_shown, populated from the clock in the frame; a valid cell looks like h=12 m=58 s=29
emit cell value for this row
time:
h=9 m=14 s=22
